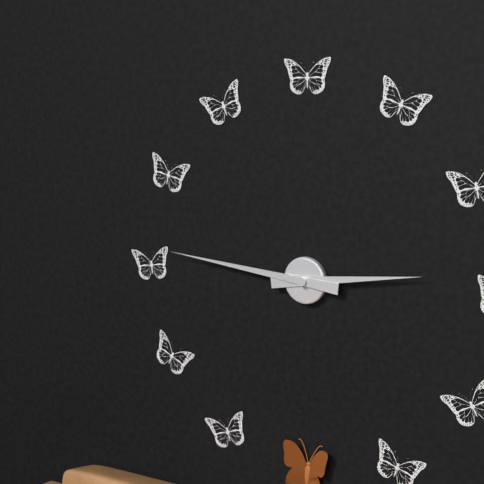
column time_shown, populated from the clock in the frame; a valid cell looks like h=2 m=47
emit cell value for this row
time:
h=2 m=46
